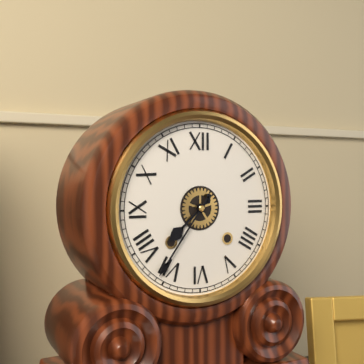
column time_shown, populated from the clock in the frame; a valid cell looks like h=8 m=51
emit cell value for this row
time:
h=7 m=36
